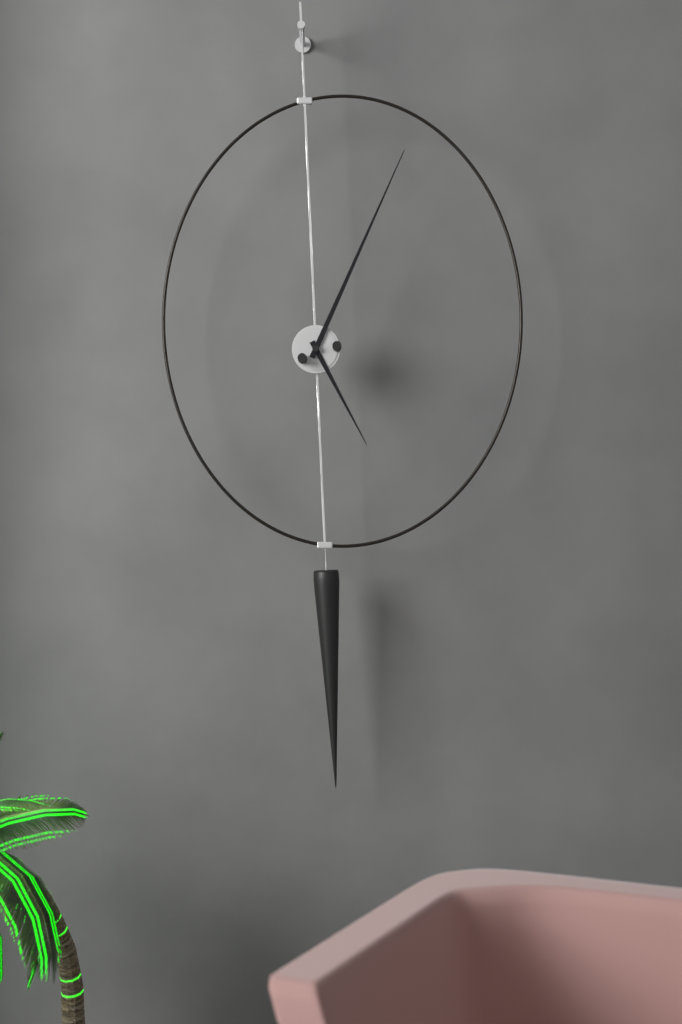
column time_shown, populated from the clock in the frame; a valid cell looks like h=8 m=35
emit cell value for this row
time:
h=5 m=4
